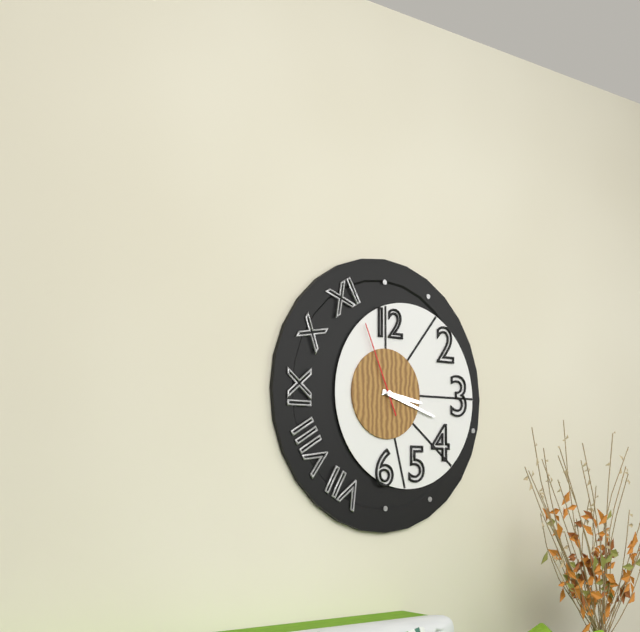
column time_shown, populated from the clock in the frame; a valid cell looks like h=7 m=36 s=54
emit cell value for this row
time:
h=3 m=18 s=56
